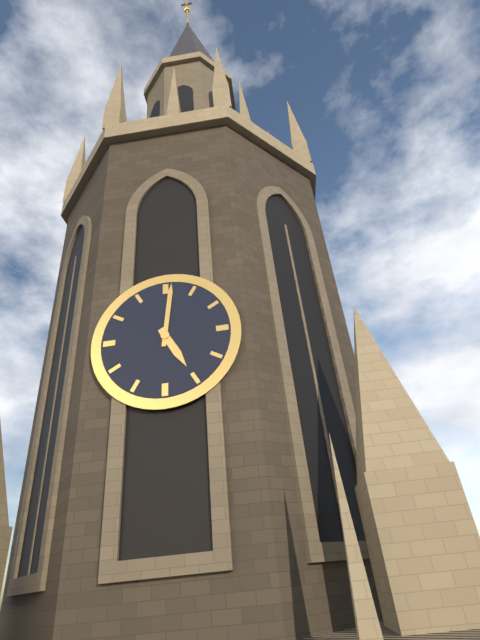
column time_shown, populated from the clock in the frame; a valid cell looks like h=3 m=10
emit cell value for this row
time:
h=5 m=1
